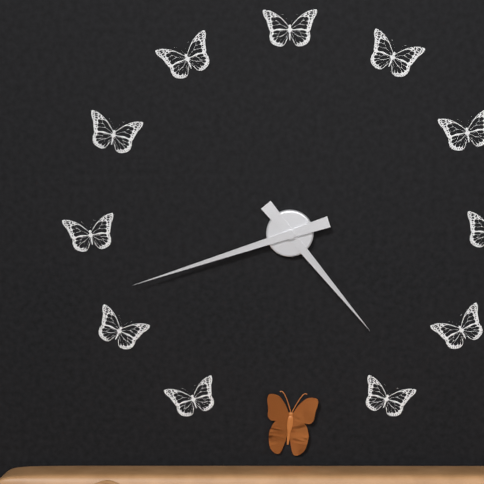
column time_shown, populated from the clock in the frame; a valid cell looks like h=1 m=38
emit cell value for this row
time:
h=4 m=42
